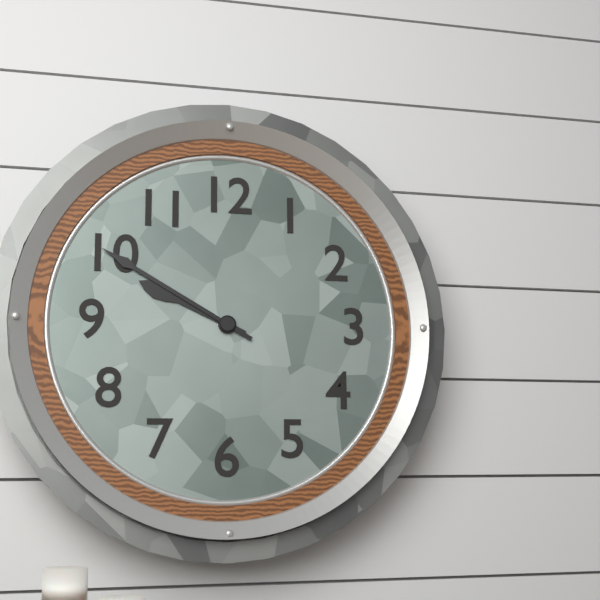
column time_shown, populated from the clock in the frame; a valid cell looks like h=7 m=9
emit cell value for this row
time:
h=9 m=50
